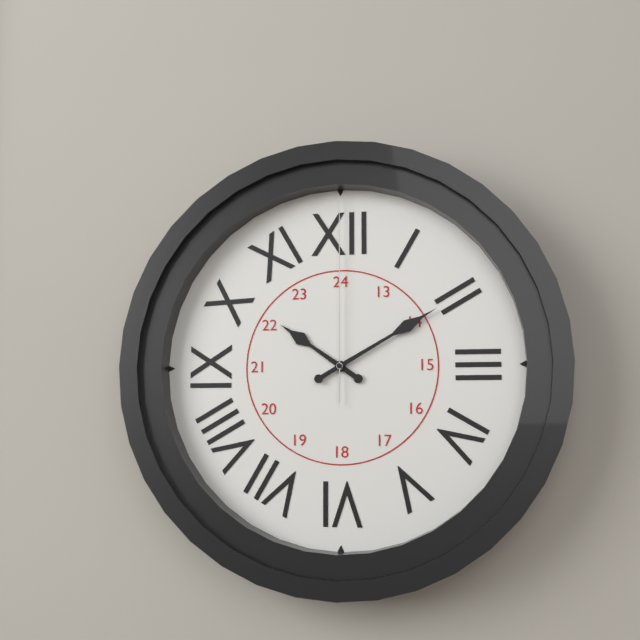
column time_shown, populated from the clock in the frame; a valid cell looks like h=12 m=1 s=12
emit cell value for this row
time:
h=10 m=10 s=0
